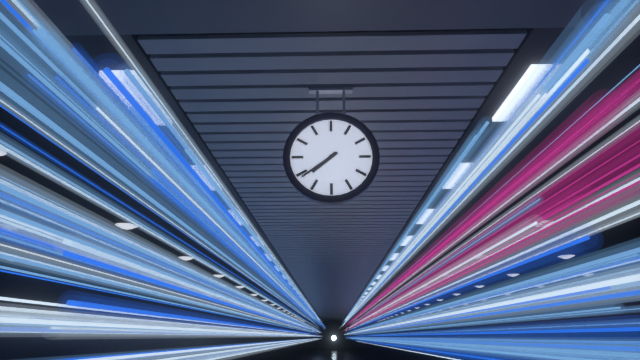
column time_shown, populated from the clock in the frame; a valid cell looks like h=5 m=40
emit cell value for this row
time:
h=7 m=39
